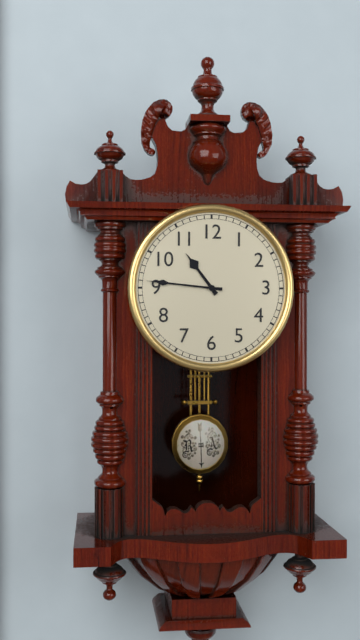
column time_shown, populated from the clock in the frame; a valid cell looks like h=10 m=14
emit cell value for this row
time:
h=10 m=46
